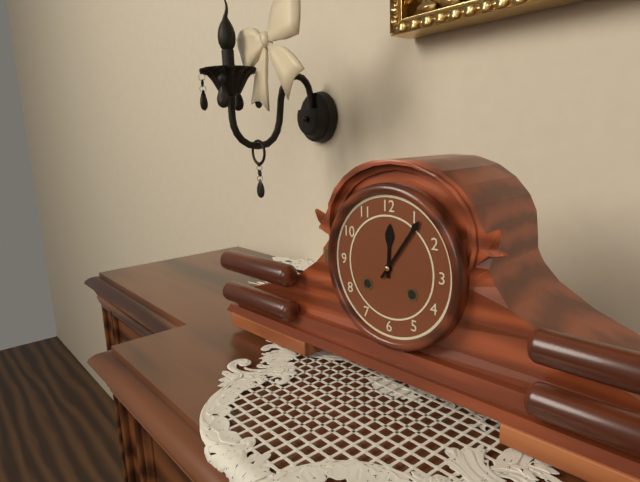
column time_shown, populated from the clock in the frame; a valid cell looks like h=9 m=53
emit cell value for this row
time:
h=12 m=6
